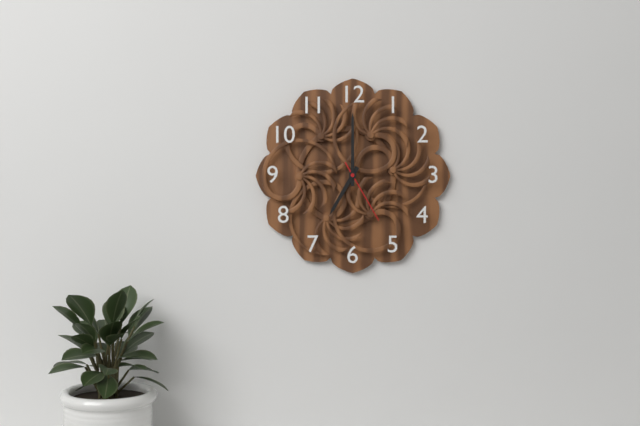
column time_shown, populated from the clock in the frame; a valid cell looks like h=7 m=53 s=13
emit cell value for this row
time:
h=7 m=0 s=25
